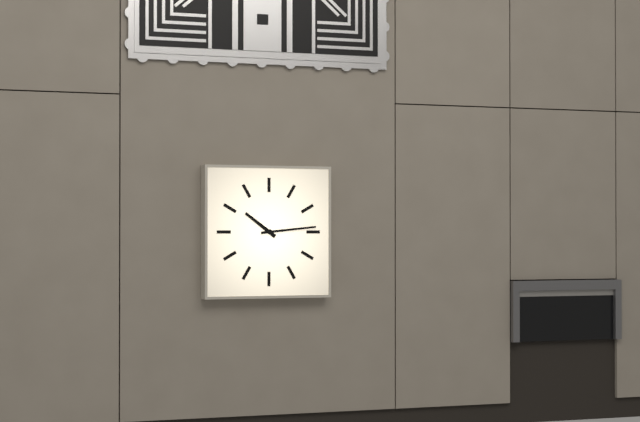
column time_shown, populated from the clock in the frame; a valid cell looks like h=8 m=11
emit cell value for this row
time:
h=10 m=14
